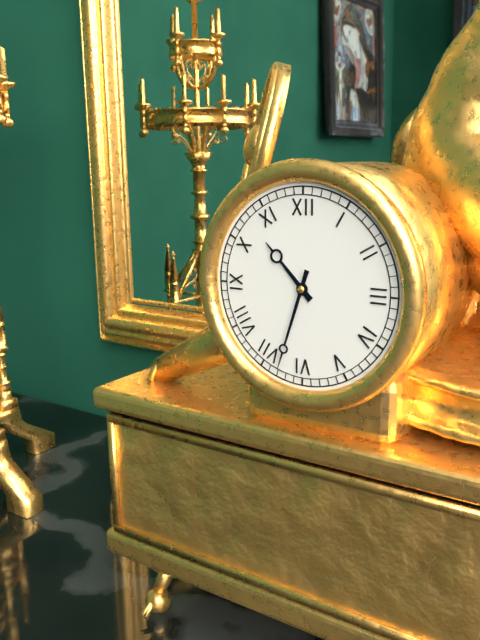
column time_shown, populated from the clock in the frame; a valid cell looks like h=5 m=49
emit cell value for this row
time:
h=10 m=33
